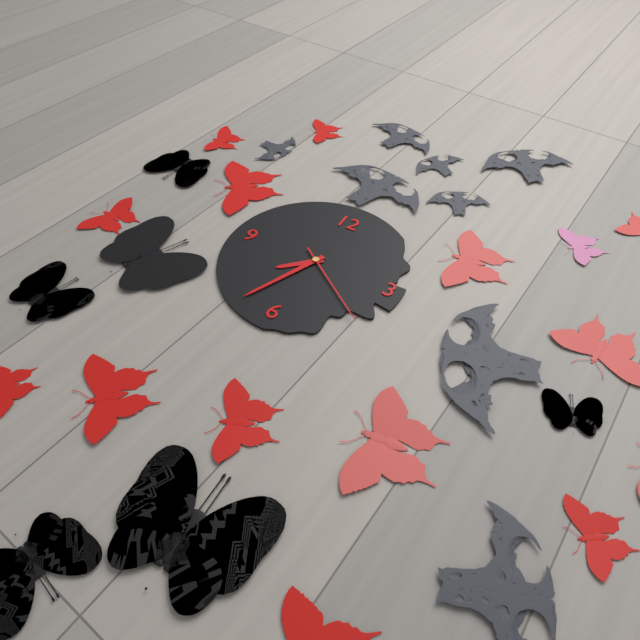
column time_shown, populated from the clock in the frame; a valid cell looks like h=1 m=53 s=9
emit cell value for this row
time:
h=7 m=34 s=21
